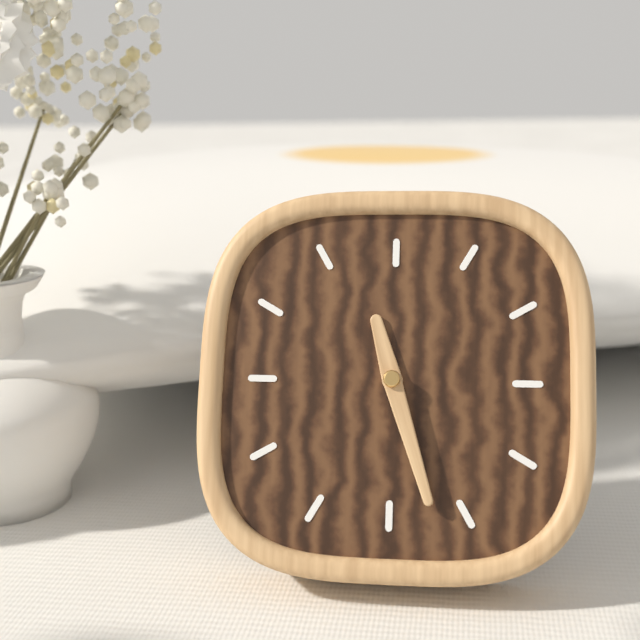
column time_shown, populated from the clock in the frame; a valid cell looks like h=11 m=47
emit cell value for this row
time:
h=11 m=27
